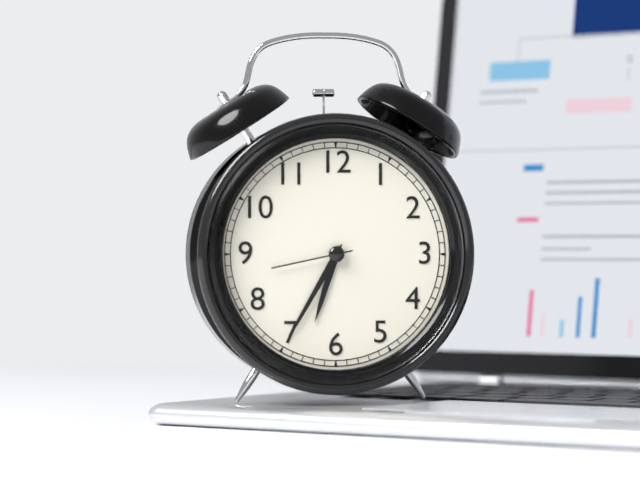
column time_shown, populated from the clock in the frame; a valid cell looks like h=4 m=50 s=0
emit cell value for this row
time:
h=6 m=35 s=43
